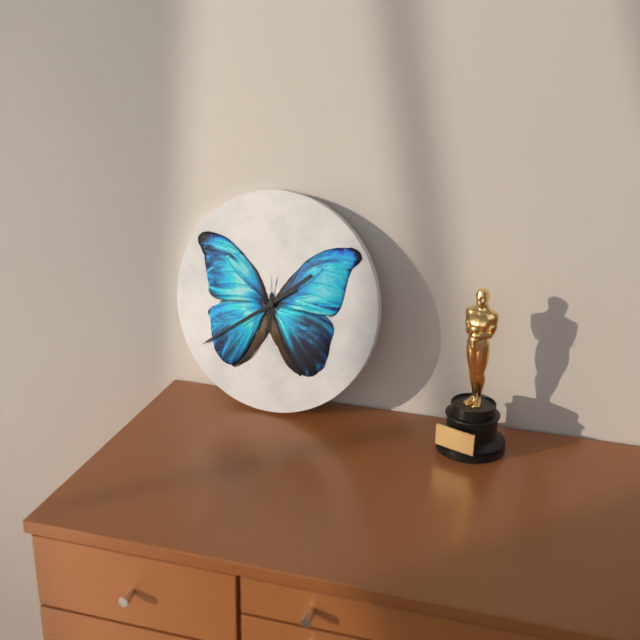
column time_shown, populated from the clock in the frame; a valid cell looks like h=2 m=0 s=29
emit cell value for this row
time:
h=1 m=39 s=39
